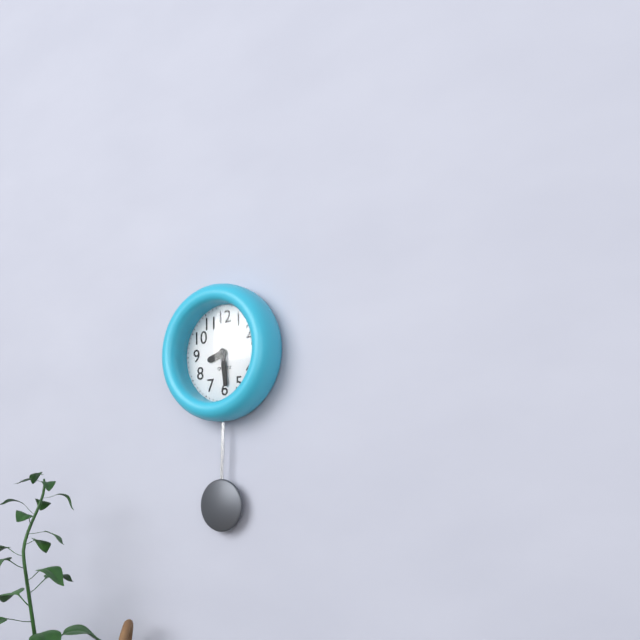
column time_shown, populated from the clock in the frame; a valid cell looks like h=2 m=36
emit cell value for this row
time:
h=8 m=29
